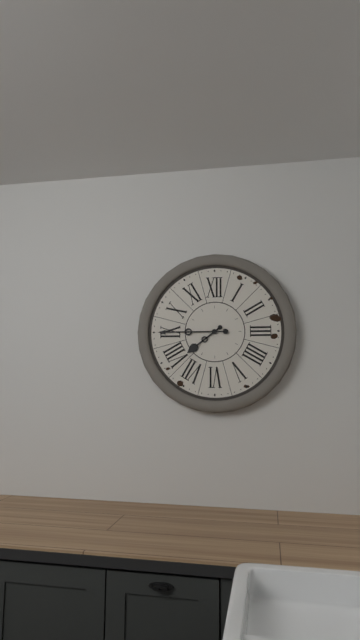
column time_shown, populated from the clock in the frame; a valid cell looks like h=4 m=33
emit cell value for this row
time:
h=7 m=45
